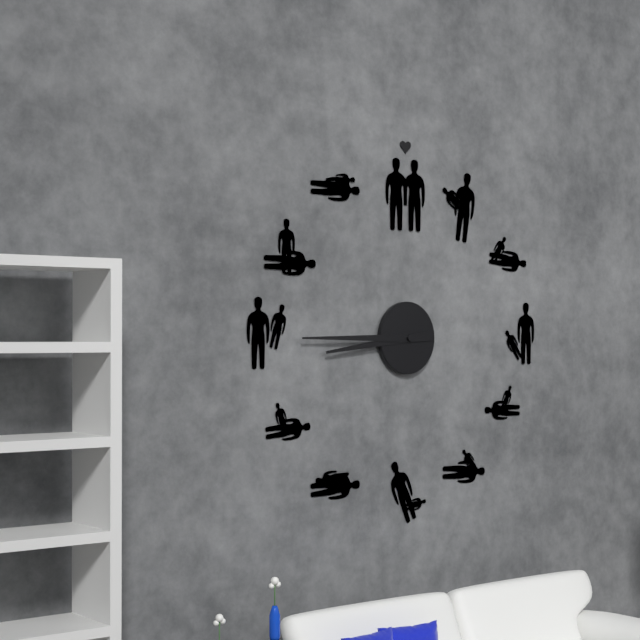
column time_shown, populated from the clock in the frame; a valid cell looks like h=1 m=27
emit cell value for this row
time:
h=8 m=45
